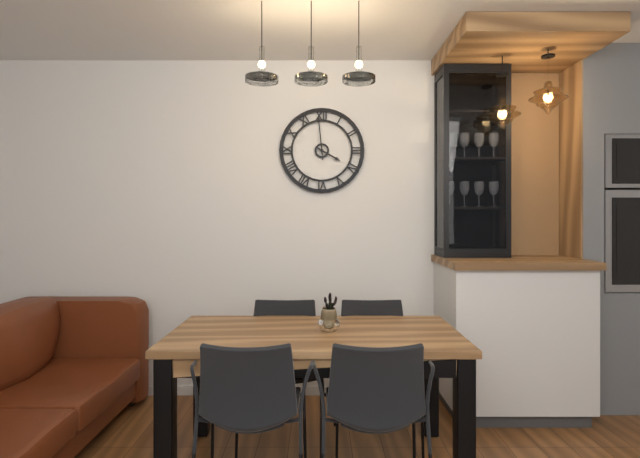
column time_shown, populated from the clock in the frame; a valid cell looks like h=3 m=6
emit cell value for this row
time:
h=3 m=59
